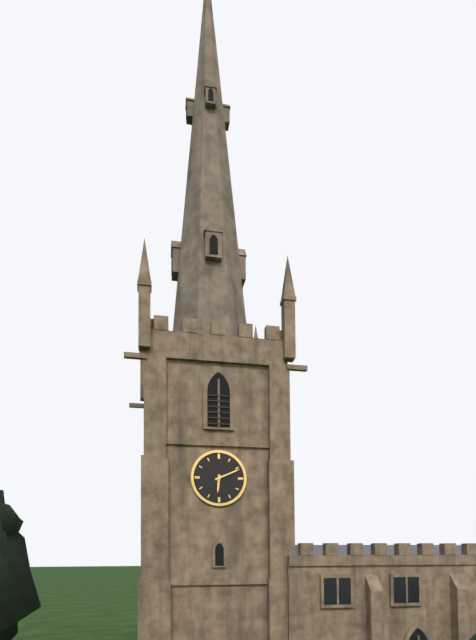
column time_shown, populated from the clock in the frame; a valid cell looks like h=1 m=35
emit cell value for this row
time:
h=6 m=11
